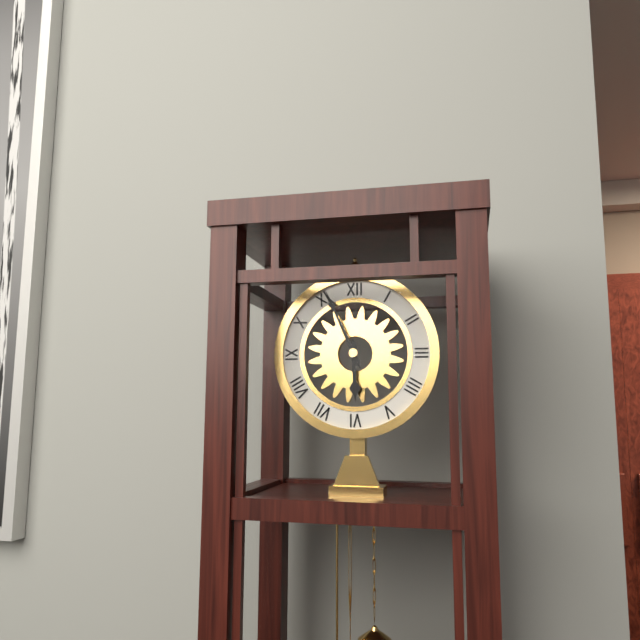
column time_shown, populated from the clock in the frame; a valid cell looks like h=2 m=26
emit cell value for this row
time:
h=5 m=56
